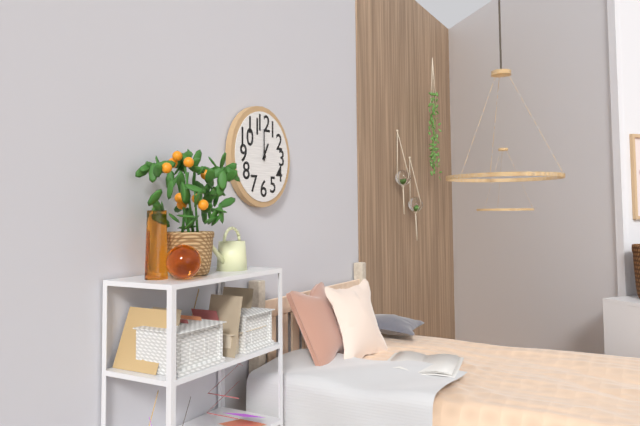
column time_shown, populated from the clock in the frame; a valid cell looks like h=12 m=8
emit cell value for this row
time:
h=1 m=0
